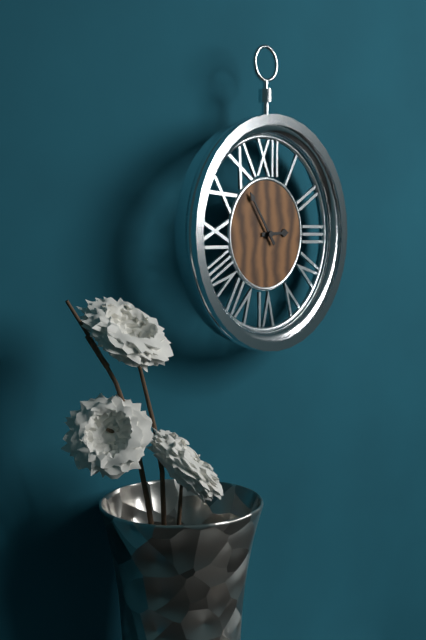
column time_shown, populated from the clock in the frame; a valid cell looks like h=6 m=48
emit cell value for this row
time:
h=2 m=54
